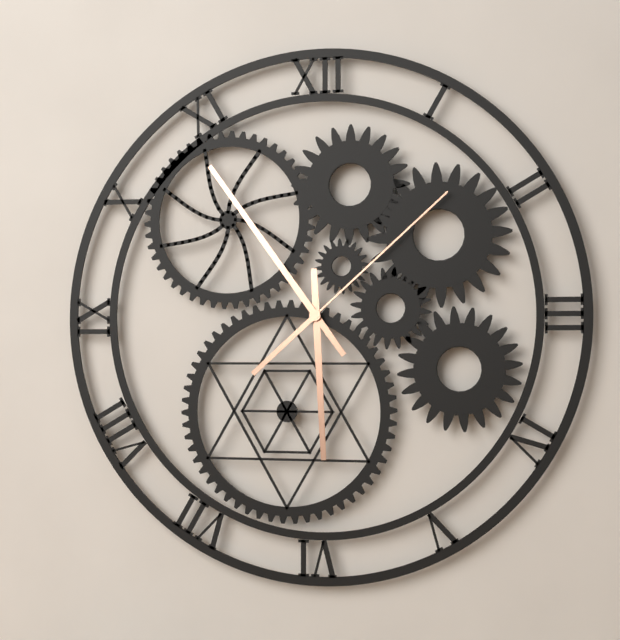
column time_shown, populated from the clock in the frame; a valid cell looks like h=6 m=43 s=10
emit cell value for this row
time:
h=5 m=54 s=8
